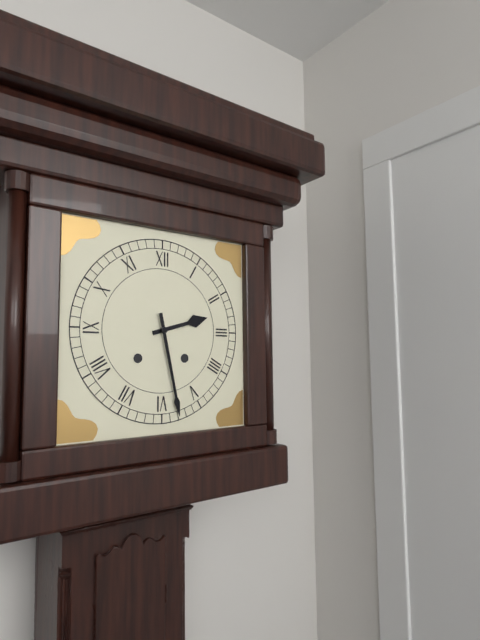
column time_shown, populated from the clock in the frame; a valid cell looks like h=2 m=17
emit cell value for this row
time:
h=2 m=28
